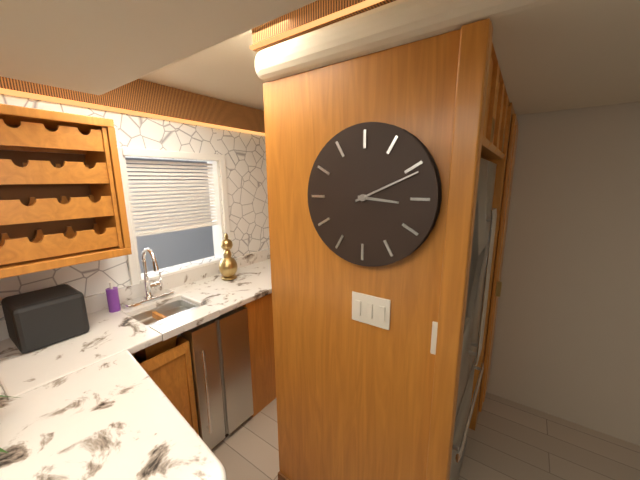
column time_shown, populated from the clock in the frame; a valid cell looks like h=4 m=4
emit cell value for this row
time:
h=3 m=11
